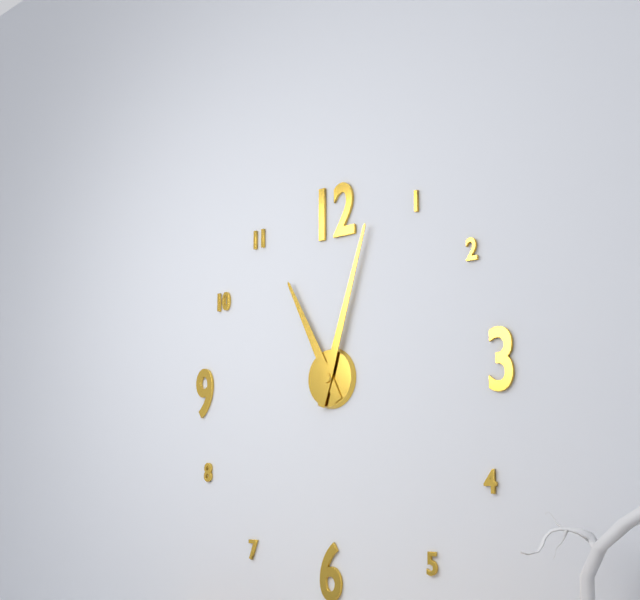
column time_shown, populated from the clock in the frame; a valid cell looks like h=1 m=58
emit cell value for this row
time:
h=11 m=3
